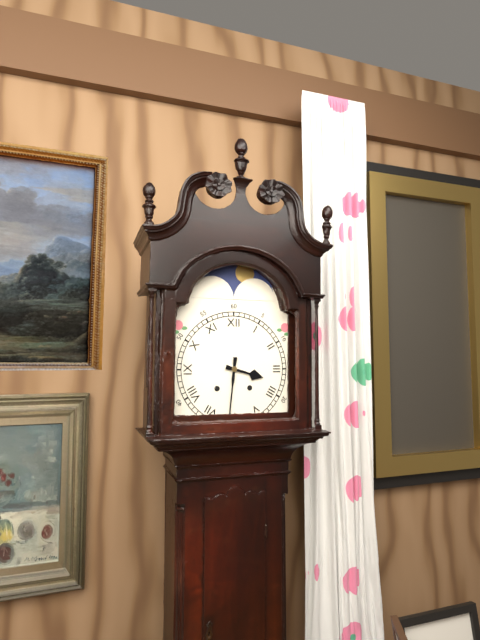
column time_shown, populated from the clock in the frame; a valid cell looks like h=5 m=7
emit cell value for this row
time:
h=3 m=31
